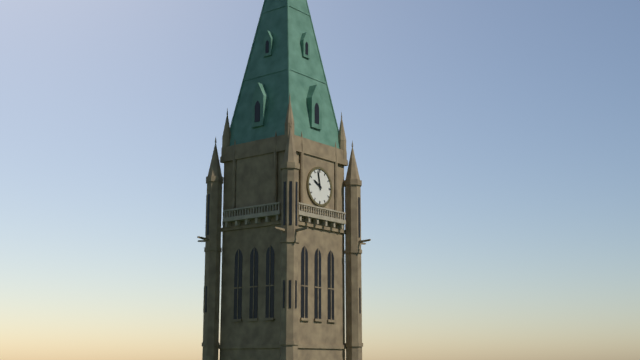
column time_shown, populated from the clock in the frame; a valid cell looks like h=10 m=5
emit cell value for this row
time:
h=9 m=58
